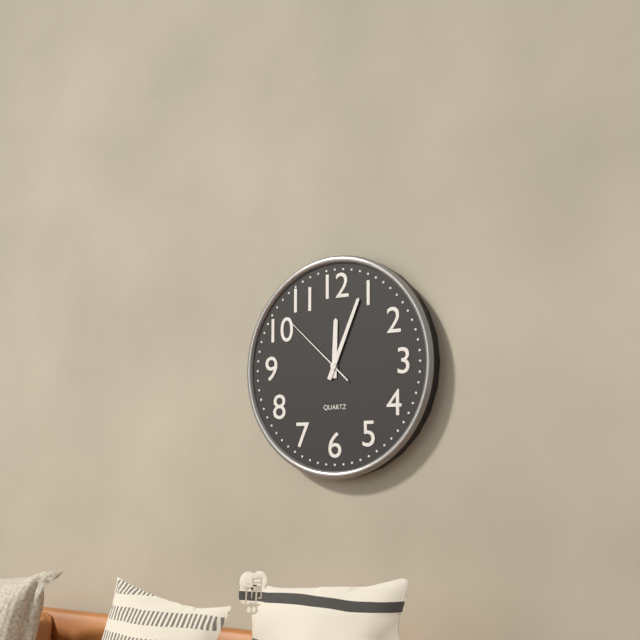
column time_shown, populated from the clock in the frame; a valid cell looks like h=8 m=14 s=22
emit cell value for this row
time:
h=12 m=4 s=52
